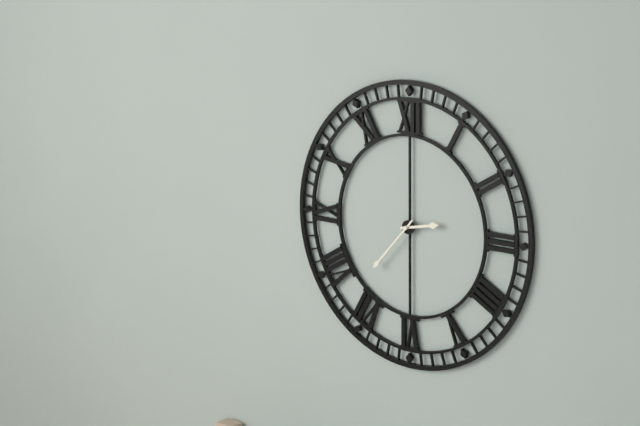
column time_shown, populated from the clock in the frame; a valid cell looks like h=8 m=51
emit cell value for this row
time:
h=2 m=37
